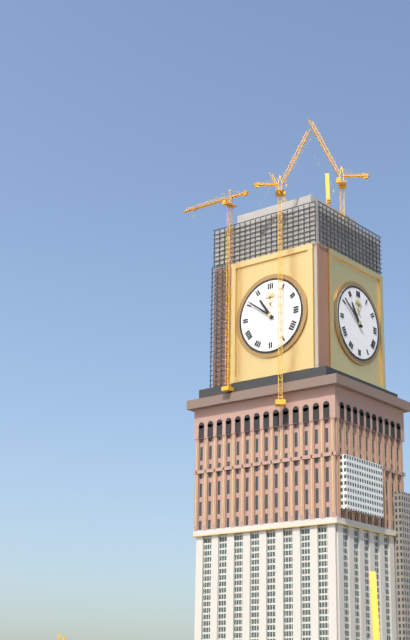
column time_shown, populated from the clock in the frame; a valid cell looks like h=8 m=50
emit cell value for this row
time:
h=10 m=51
